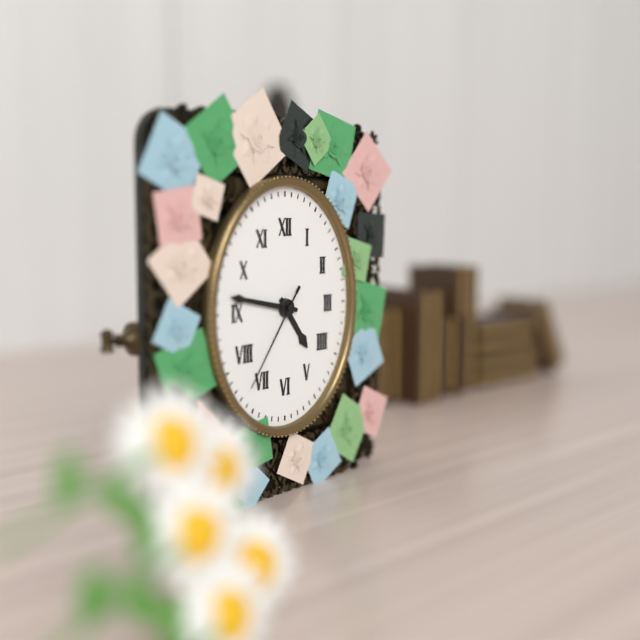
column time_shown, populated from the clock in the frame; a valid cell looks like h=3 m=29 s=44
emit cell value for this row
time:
h=4 m=47 s=36
